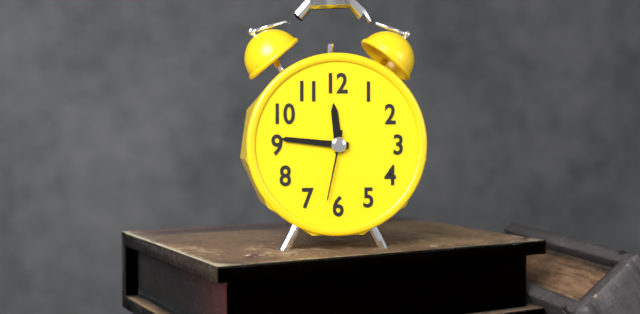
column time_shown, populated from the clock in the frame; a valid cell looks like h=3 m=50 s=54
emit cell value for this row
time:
h=11 m=46 s=32
